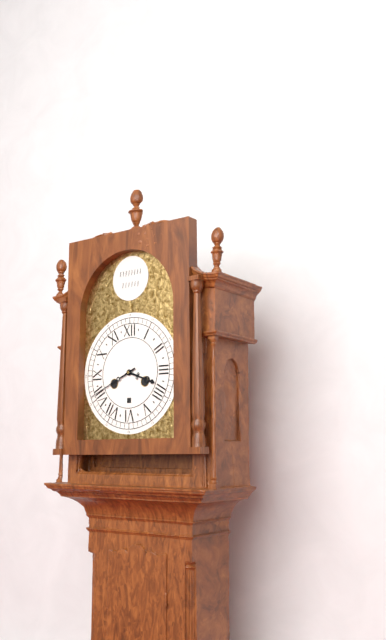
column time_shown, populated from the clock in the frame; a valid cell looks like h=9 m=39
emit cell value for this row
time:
h=3 m=41
